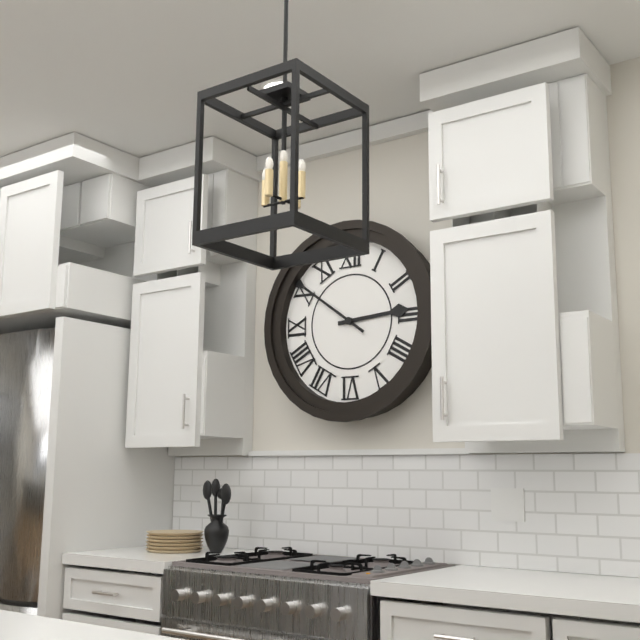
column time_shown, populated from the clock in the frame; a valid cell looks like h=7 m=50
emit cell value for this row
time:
h=2 m=51
